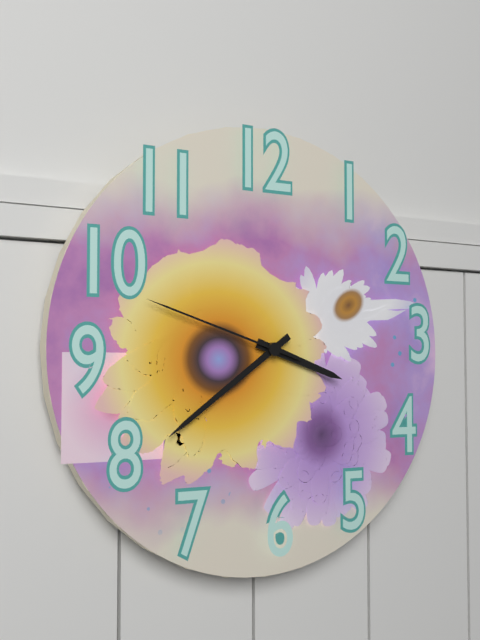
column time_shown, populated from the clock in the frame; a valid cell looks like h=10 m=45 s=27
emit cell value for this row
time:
h=3 m=39 s=48
